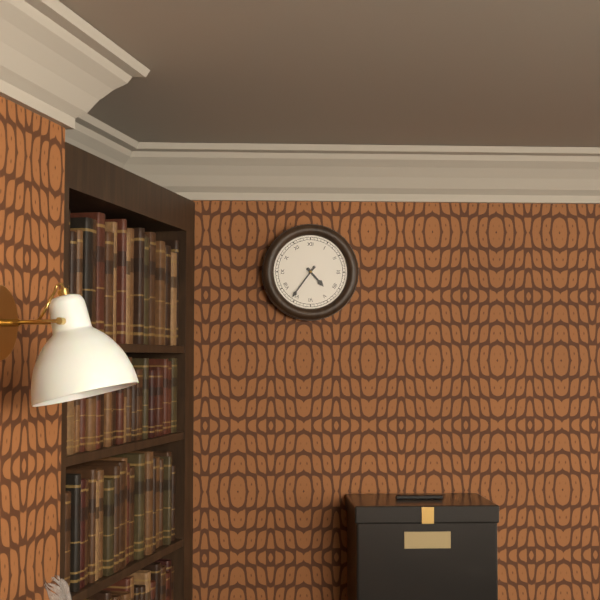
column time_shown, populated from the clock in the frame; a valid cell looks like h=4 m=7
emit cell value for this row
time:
h=4 m=36
